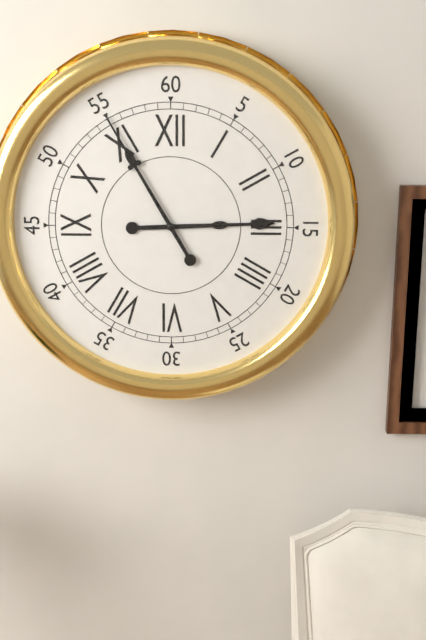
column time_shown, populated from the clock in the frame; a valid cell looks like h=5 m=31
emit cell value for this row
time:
h=2 m=55
